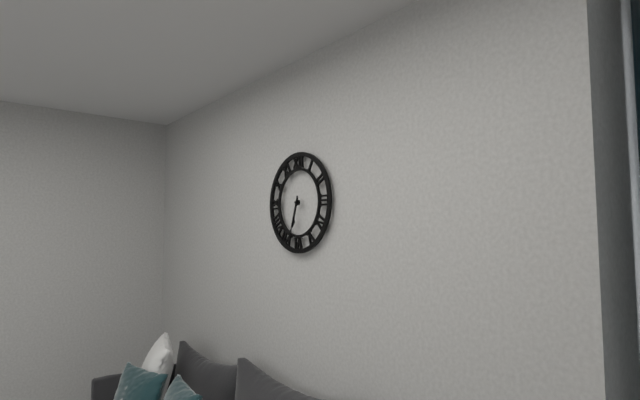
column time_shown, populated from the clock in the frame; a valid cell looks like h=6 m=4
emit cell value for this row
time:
h=6 m=33
